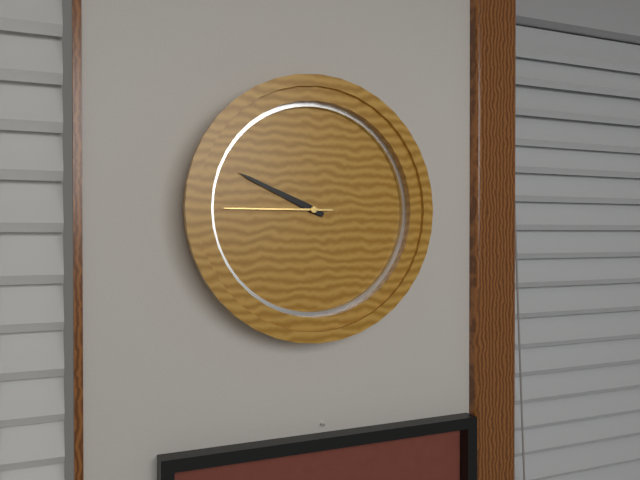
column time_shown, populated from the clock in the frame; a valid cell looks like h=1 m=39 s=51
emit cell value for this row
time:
h=9 m=49 s=45
